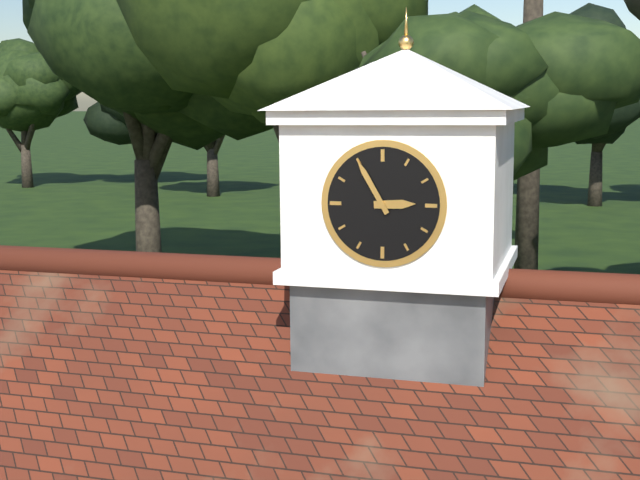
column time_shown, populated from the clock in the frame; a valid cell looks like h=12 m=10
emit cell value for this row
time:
h=2 m=55
